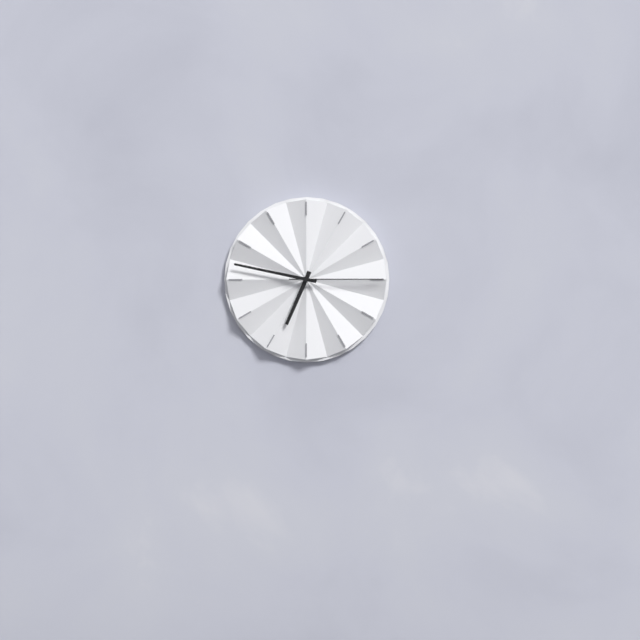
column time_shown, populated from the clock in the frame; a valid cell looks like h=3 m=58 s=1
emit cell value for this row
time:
h=6 m=47 s=15
